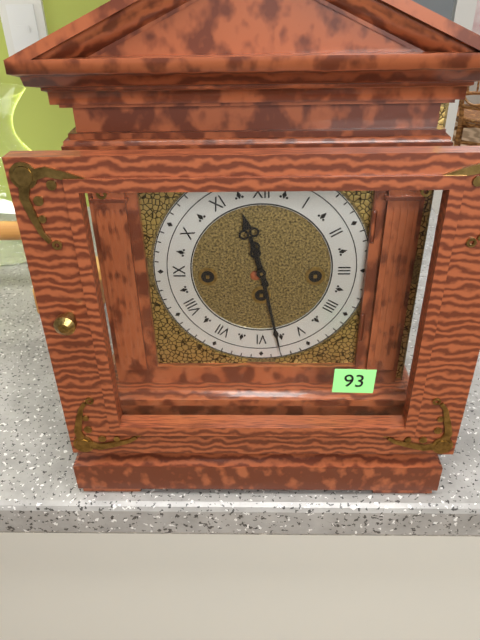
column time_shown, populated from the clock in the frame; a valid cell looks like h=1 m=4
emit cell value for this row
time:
h=11 m=28
